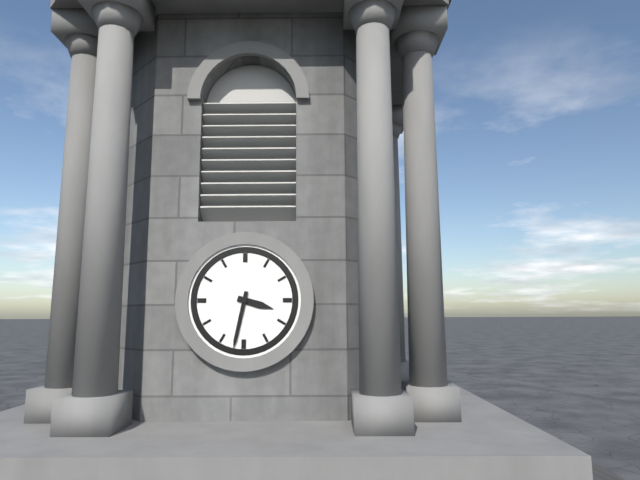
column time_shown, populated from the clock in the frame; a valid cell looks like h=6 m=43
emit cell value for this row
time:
h=3 m=32
